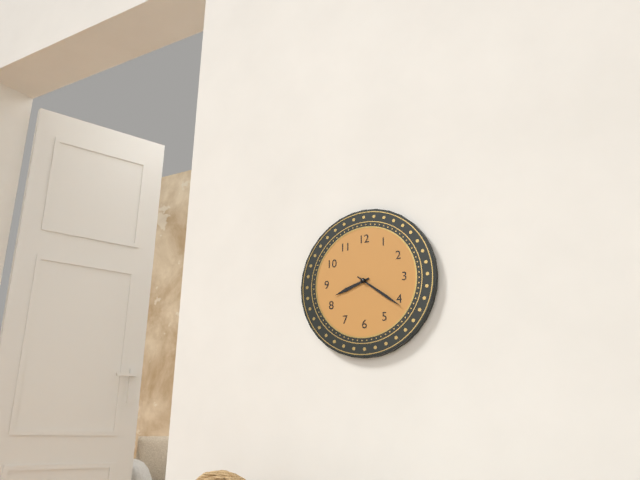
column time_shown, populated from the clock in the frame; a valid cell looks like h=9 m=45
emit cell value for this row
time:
h=8 m=21
